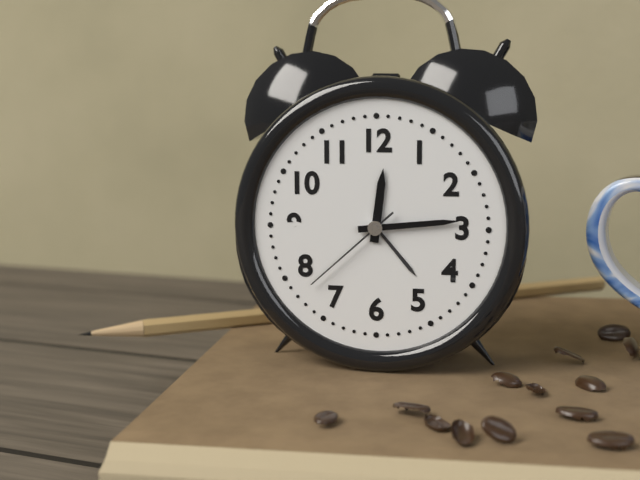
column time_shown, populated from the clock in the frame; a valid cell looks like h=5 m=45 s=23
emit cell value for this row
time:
h=12 m=14 s=38
